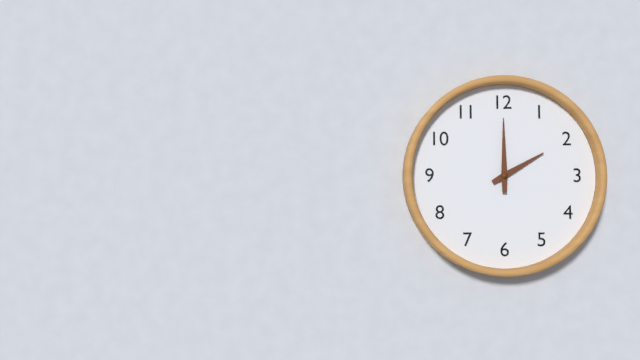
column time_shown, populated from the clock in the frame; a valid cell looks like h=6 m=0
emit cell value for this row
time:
h=2 m=0
